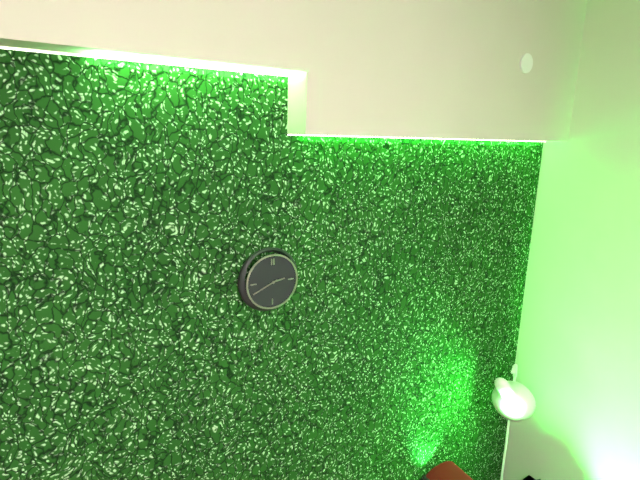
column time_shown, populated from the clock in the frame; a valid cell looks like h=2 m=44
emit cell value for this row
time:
h=2 m=41
